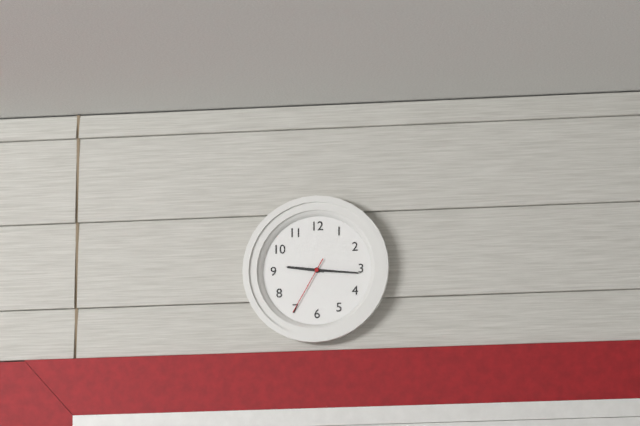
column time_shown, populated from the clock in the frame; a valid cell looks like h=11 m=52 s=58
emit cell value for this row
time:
h=9 m=16 s=35
